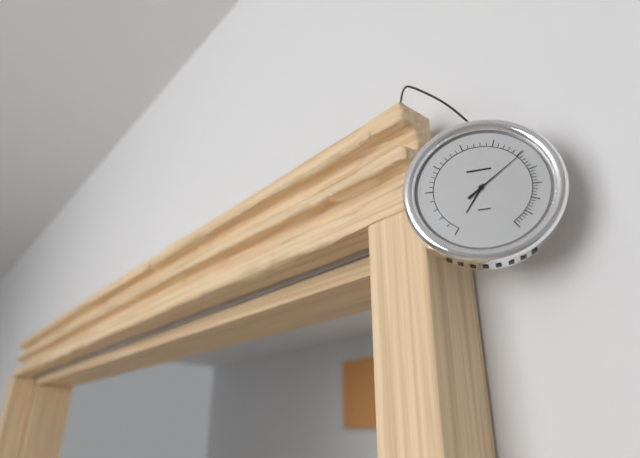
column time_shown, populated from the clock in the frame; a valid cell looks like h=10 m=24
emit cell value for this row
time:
h=7 m=9
